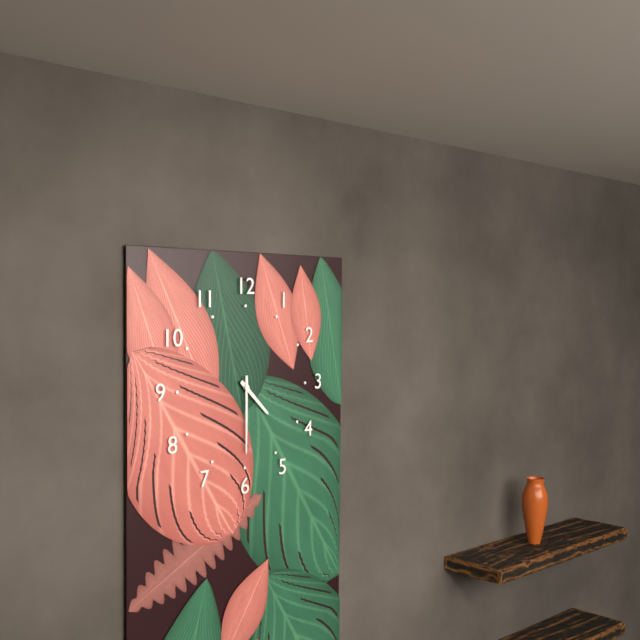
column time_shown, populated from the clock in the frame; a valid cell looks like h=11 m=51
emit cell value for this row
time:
h=4 m=30
